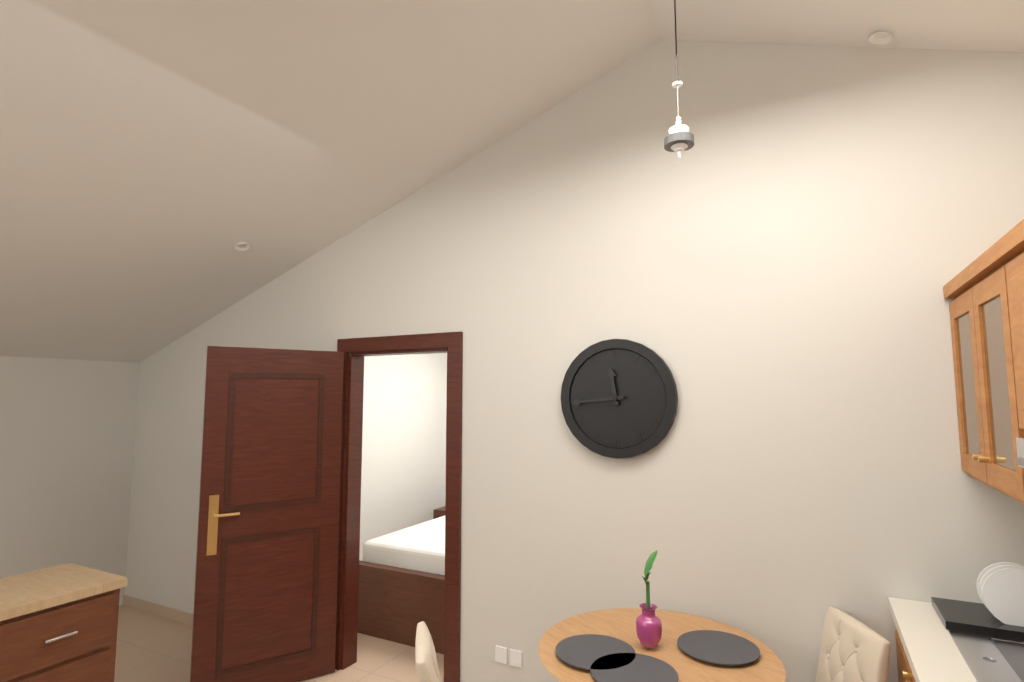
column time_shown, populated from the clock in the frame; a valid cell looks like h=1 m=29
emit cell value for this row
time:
h=11 m=44
